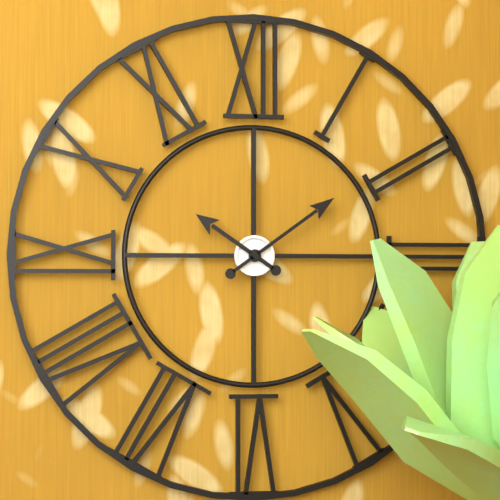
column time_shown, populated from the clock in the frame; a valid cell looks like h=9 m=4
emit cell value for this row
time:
h=10 m=9
